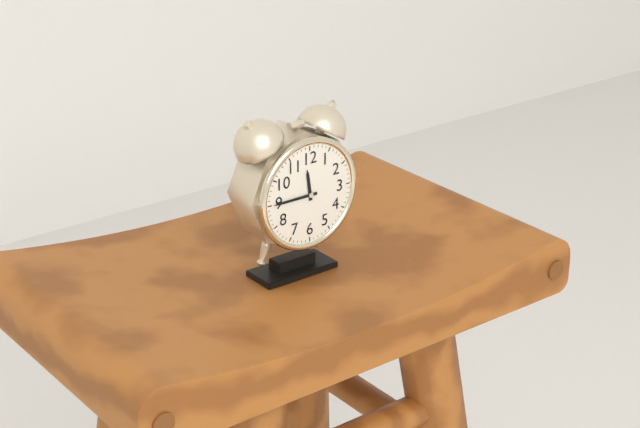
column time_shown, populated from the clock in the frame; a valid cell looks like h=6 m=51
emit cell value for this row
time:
h=11 m=45
